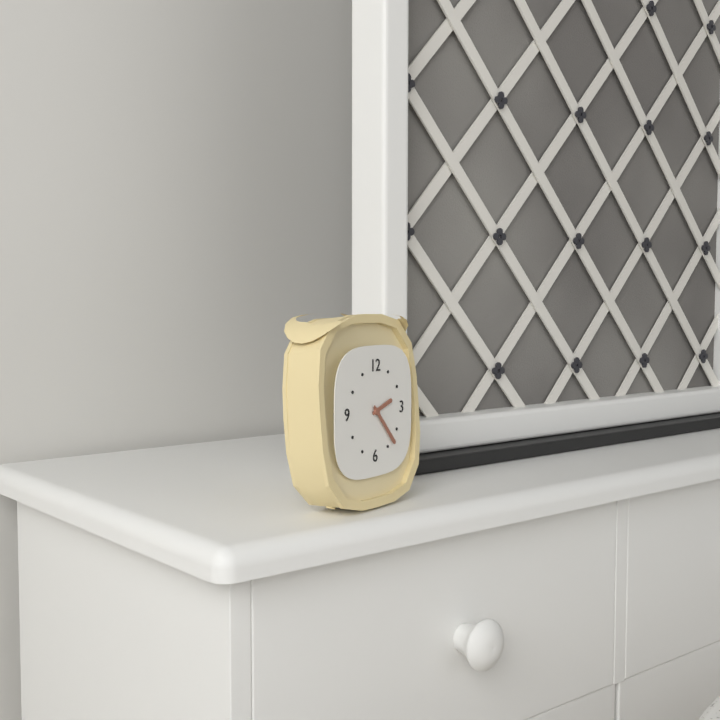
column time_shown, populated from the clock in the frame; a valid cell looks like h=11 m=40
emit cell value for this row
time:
h=2 m=23
